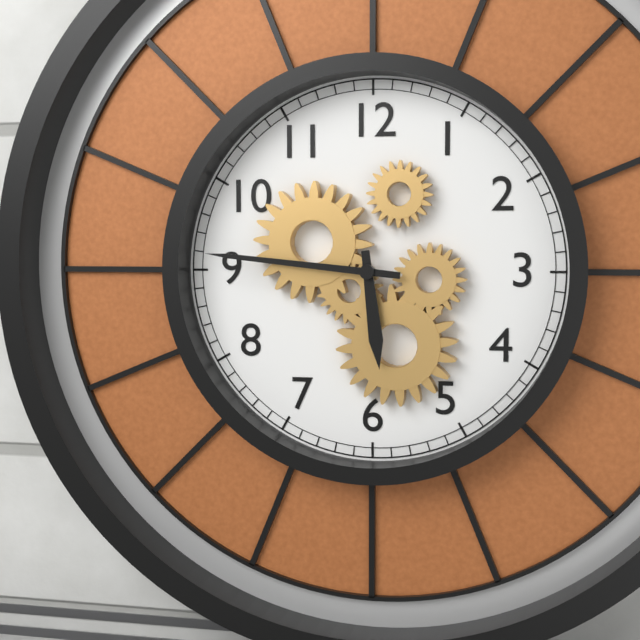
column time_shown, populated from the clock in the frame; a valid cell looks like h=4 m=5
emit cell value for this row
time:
h=5 m=46
